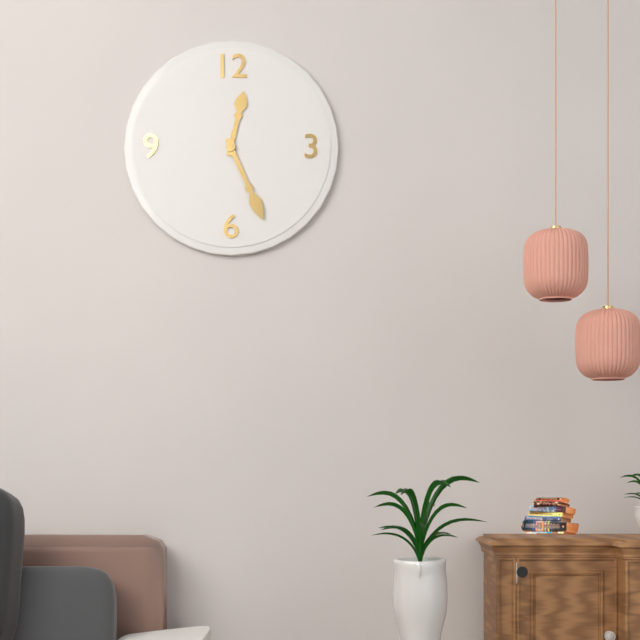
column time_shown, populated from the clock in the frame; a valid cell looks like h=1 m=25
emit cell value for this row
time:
h=12 m=26
